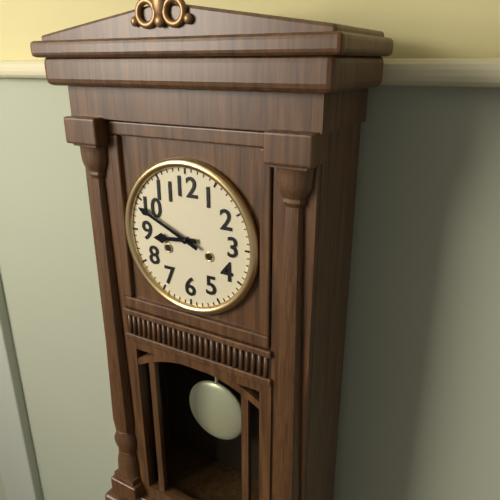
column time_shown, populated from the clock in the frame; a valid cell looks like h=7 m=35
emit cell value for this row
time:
h=8 m=49
